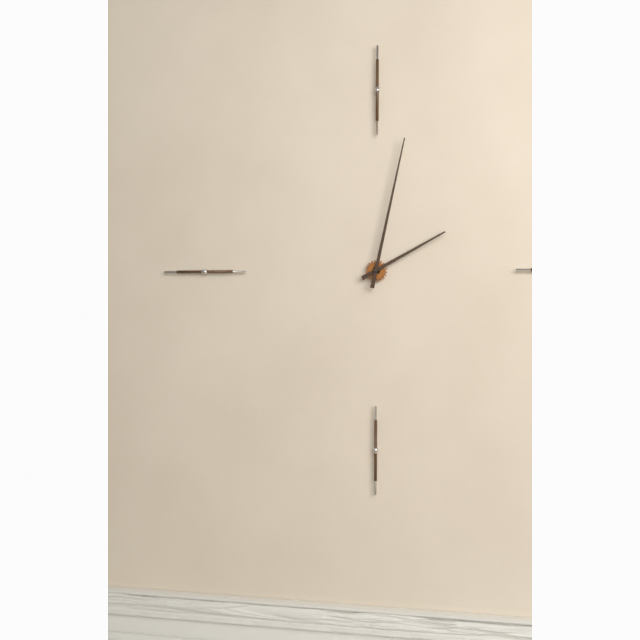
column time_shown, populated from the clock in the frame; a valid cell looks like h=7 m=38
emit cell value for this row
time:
h=2 m=2
